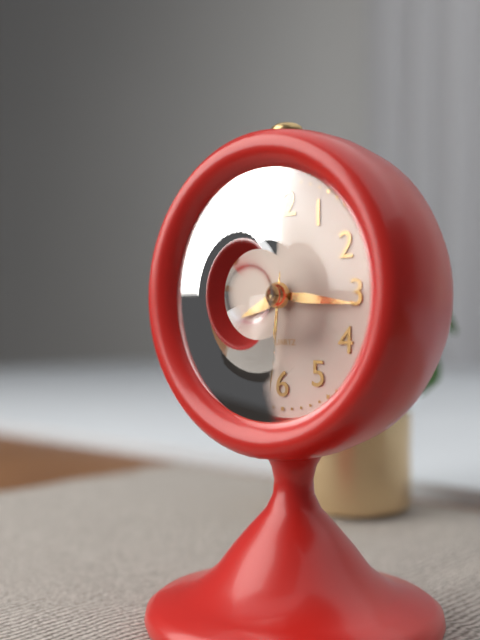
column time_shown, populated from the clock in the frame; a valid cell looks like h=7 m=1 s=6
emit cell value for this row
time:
h=8 m=16 s=31
